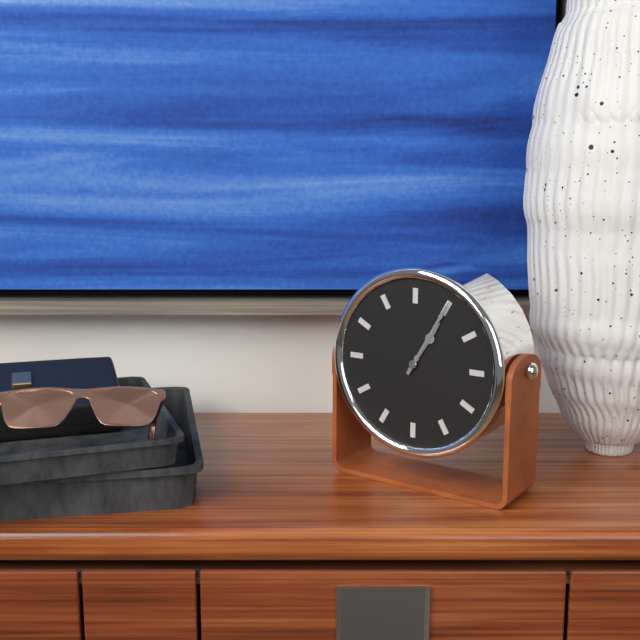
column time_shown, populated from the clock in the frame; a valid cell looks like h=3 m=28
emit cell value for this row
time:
h=1 m=5
